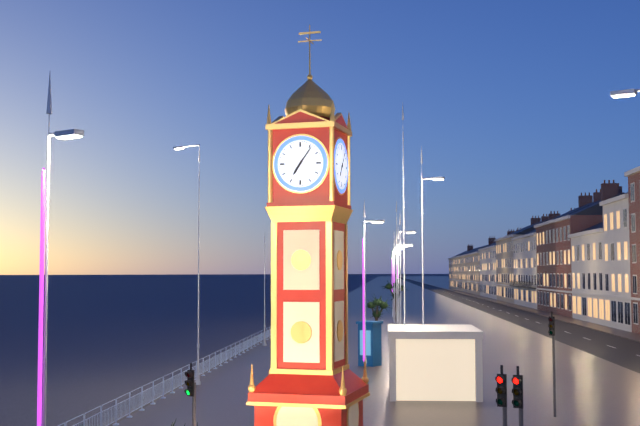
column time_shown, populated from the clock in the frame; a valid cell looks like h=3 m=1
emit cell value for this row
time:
h=7 m=6
